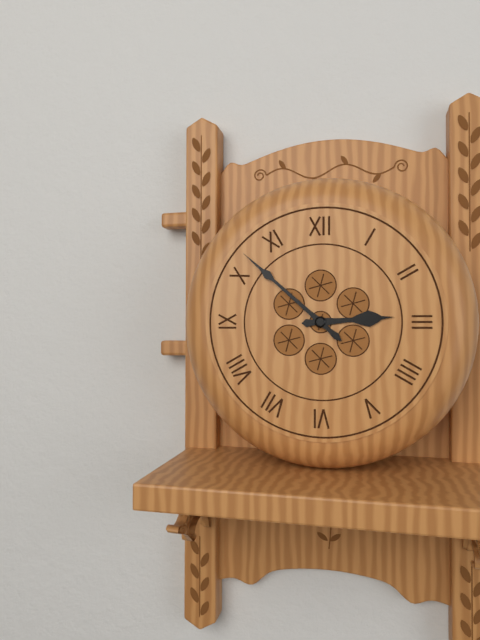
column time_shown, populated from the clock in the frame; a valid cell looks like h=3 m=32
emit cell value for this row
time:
h=2 m=52
